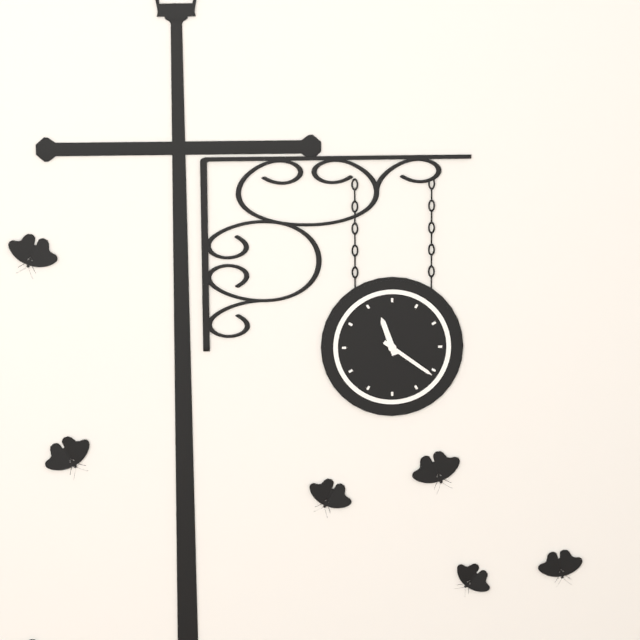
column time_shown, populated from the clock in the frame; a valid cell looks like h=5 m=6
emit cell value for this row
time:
h=11 m=21
